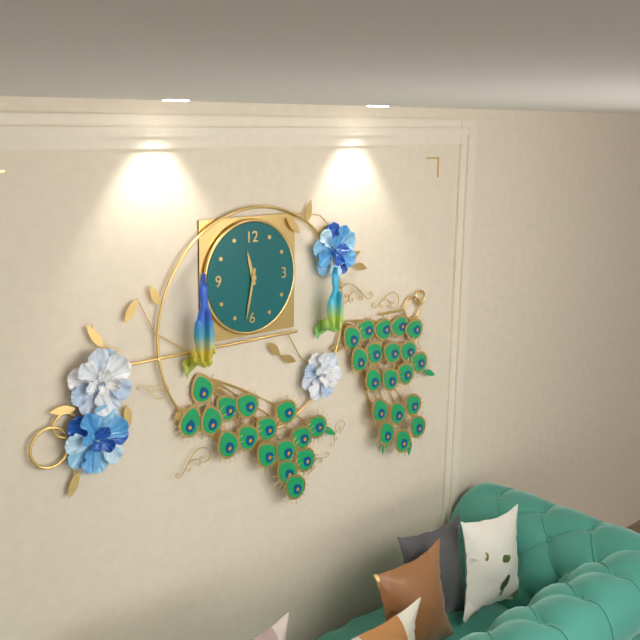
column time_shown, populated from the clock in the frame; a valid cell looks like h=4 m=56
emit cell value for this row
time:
h=11 m=32
